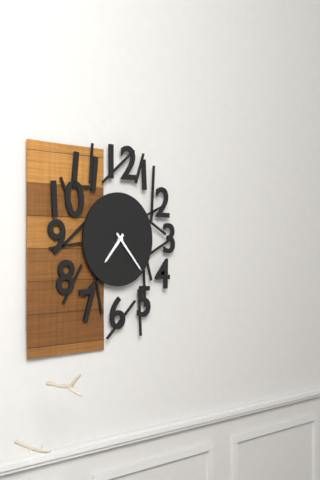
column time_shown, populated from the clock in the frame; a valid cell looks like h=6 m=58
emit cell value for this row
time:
h=7 m=23
